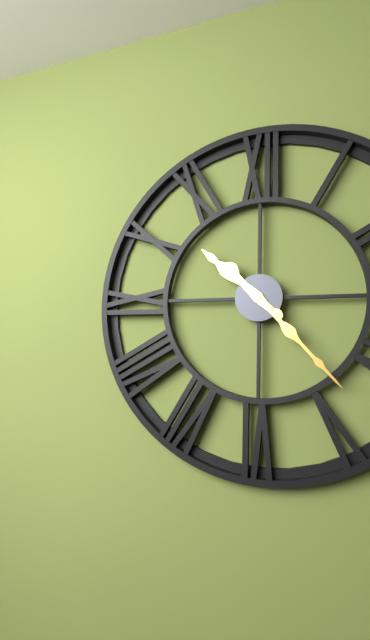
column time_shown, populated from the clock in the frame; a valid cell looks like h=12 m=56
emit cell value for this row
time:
h=10 m=23
